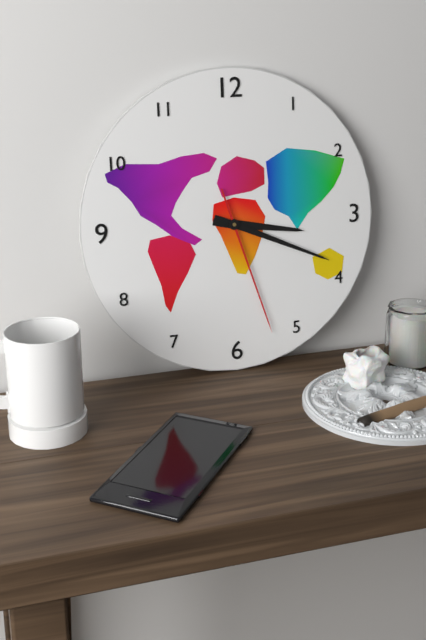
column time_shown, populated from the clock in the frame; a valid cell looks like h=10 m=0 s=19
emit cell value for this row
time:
h=3 m=19 s=27
